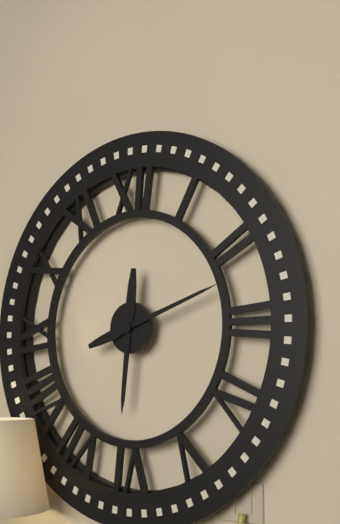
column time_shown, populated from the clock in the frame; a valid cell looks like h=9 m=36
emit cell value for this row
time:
h=6 m=12
